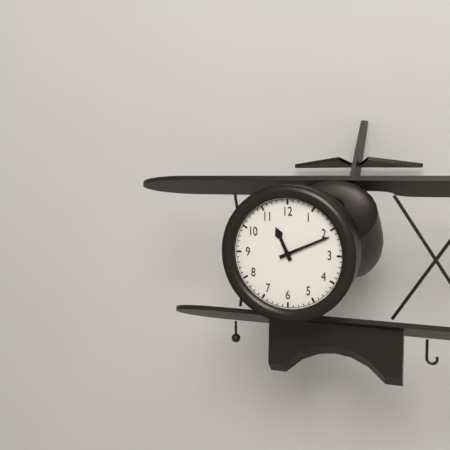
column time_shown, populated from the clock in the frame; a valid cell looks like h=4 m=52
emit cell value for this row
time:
h=11 m=11
